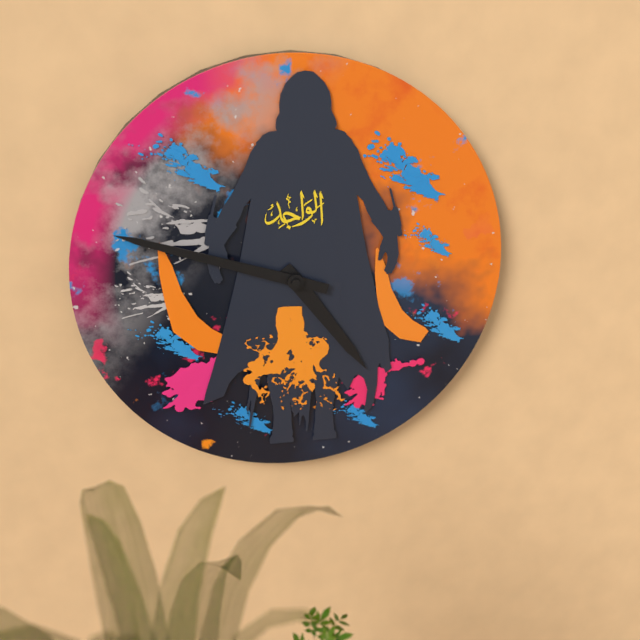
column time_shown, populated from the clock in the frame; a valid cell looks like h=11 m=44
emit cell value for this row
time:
h=4 m=48
